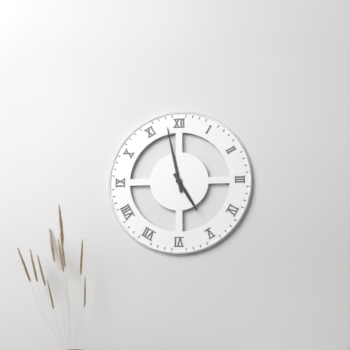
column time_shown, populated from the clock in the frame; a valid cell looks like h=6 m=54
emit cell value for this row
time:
h=4 m=58
